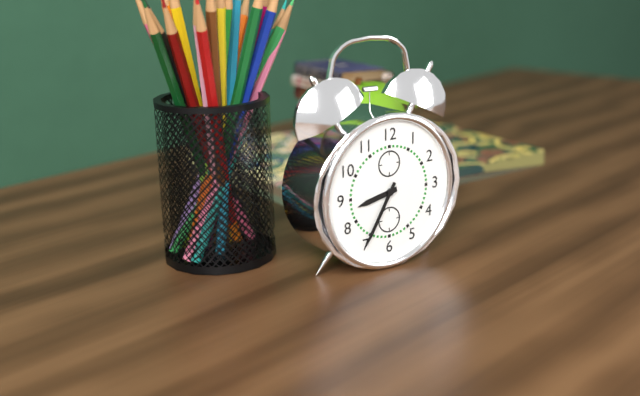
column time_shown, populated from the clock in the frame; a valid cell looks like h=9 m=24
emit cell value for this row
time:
h=8 m=35
